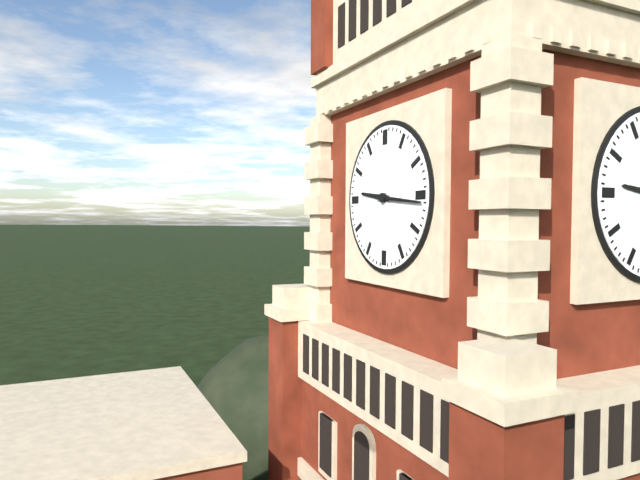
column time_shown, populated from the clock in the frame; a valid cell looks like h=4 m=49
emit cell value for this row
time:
h=9 m=16
